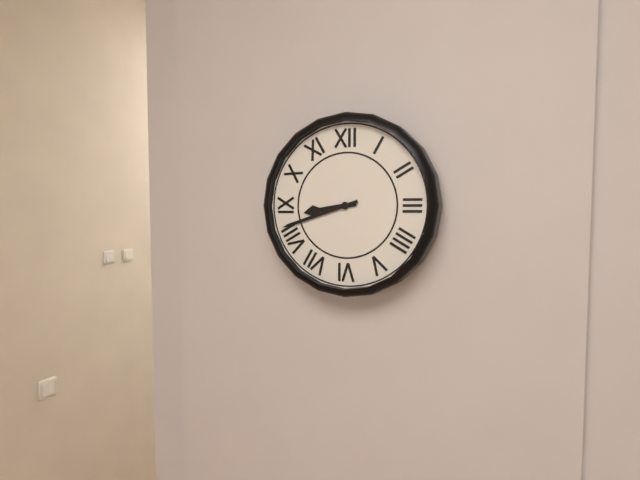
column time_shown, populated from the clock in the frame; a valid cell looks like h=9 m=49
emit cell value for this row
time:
h=8 m=42
